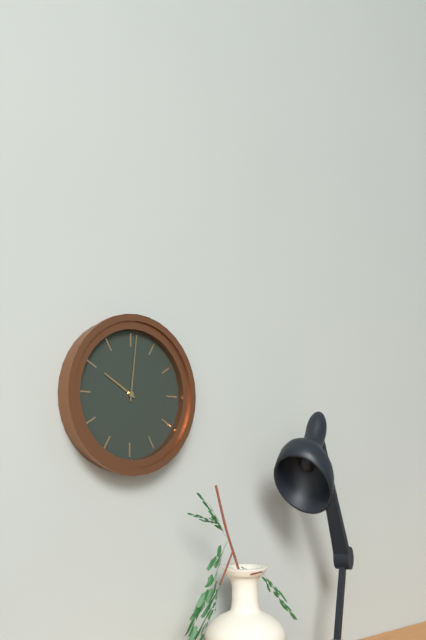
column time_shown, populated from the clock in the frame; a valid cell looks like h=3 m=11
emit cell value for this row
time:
h=10 m=1
